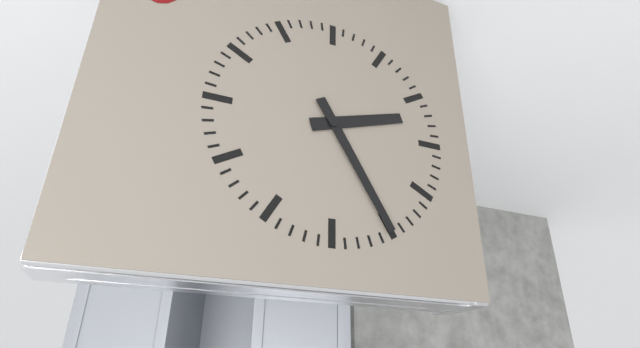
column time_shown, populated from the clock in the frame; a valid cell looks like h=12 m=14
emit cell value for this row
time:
h=2 m=25
